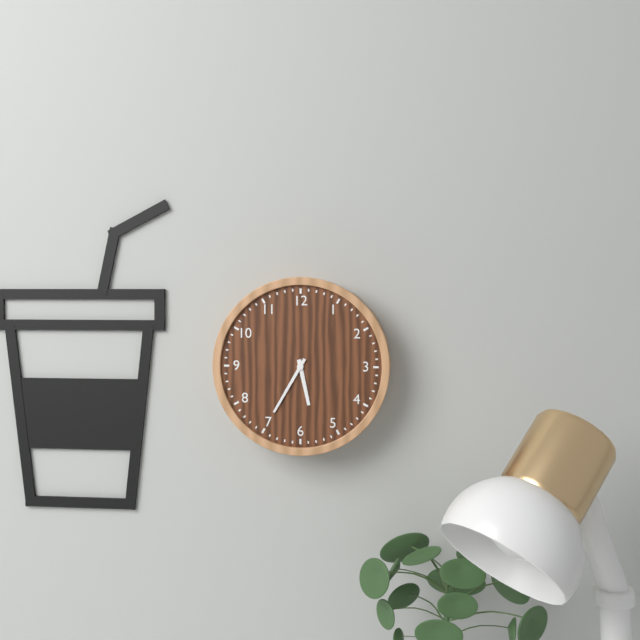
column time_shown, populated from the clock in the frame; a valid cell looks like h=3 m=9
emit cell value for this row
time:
h=5 m=35
